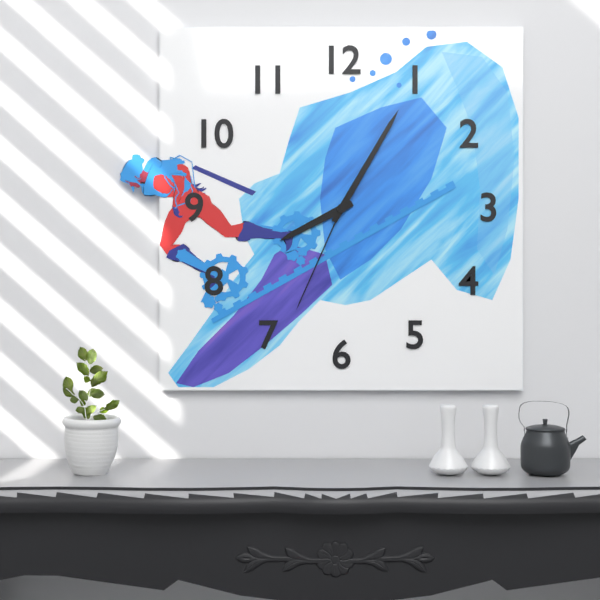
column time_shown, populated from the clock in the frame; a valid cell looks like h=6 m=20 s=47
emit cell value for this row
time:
h=8 m=5 s=34
